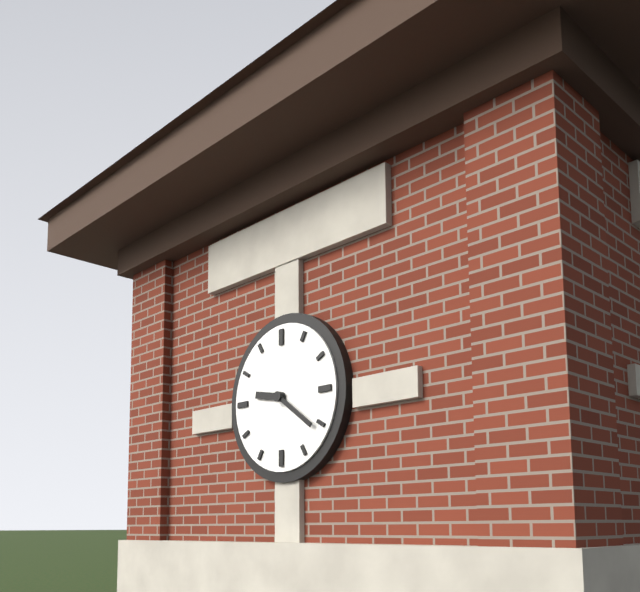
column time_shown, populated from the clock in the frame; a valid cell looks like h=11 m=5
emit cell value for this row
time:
h=9 m=21
